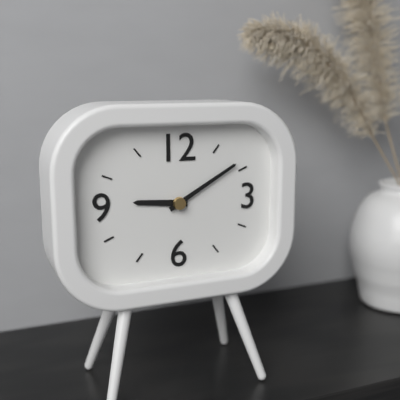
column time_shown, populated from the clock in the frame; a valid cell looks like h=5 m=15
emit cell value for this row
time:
h=9 m=10
